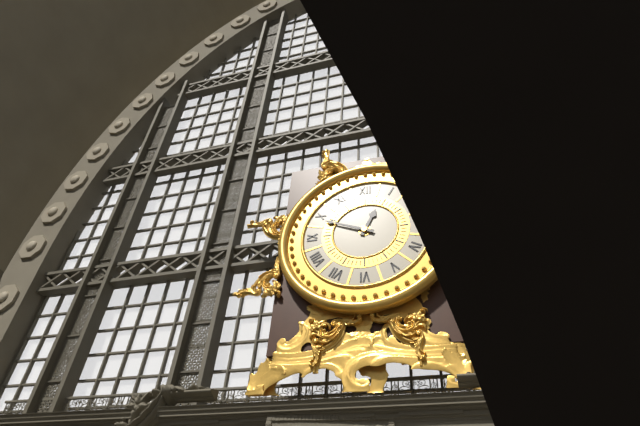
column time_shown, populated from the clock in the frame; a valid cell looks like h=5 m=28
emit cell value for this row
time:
h=12 m=49
